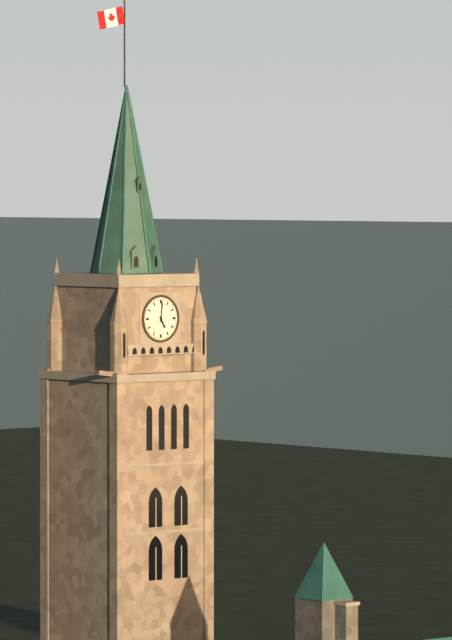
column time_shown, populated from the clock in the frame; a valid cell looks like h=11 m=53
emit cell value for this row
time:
h=5 m=1
